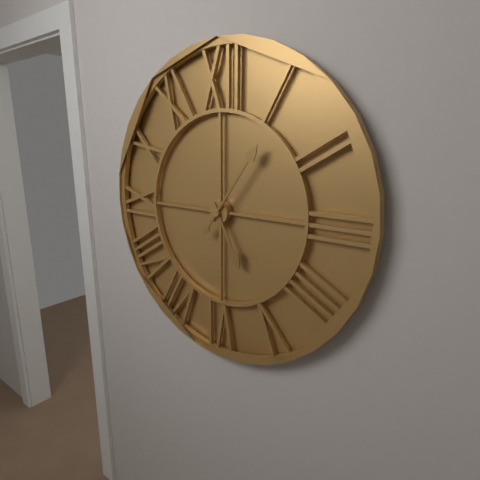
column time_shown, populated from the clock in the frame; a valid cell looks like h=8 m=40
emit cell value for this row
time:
h=5 m=6
